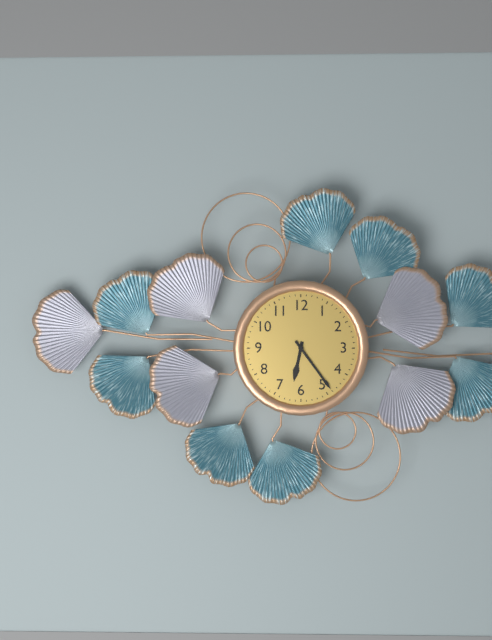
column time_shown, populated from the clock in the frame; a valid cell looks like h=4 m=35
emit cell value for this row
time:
h=6 m=24
